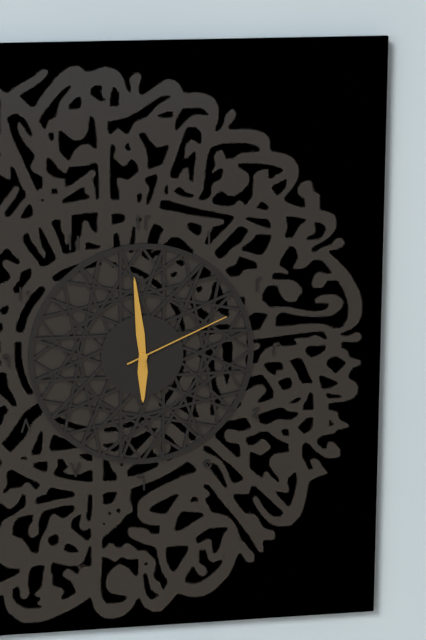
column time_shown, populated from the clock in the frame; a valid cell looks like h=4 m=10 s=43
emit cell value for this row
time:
h=5 m=59 s=11
